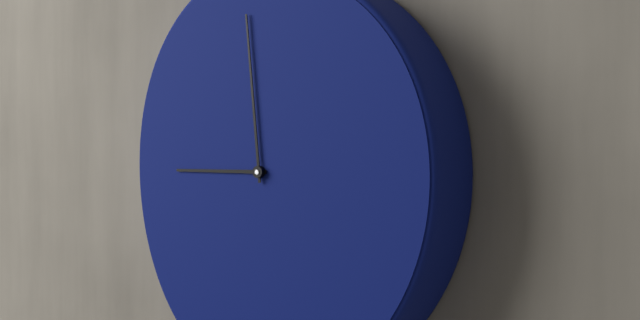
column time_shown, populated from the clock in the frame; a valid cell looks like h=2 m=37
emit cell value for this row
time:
h=8 m=59
